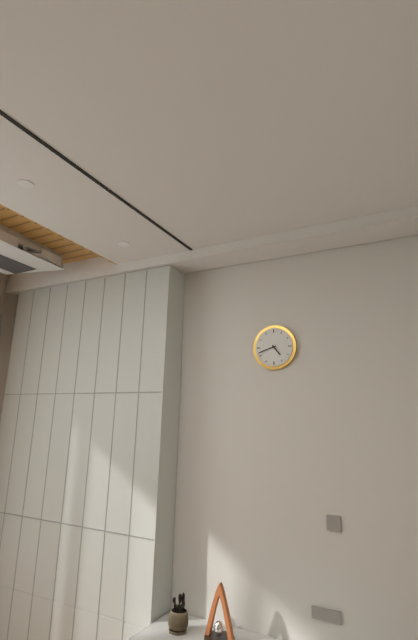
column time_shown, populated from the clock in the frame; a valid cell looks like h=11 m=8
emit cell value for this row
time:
h=4 m=42
